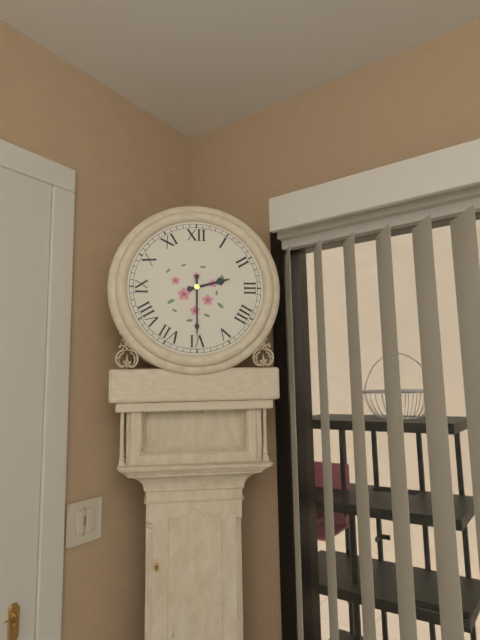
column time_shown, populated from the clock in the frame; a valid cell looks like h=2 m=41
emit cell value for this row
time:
h=2 m=30
